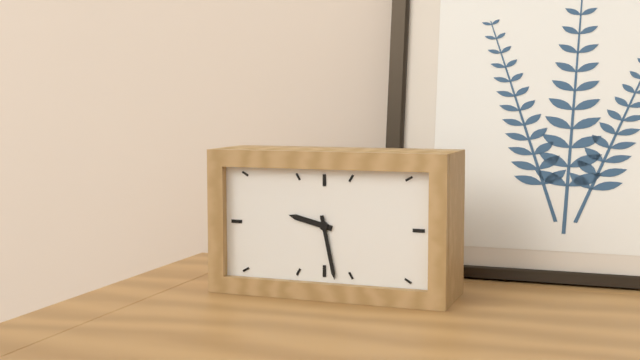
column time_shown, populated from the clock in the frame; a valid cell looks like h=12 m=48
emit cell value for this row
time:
h=9 m=28
